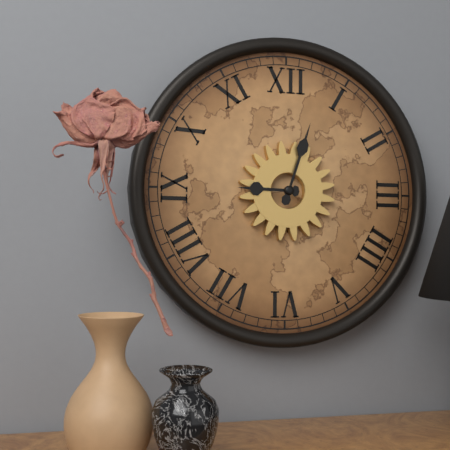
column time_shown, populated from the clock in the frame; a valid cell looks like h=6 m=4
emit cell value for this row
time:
h=9 m=3
